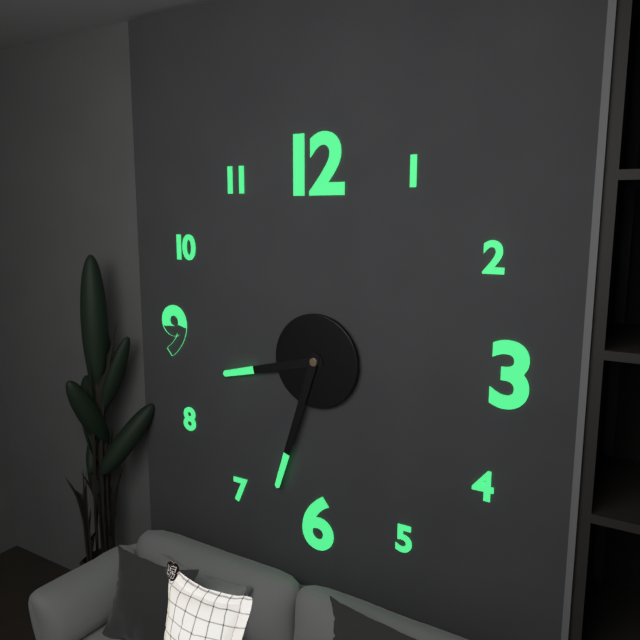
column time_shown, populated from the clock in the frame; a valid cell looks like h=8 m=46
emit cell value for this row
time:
h=8 m=33
